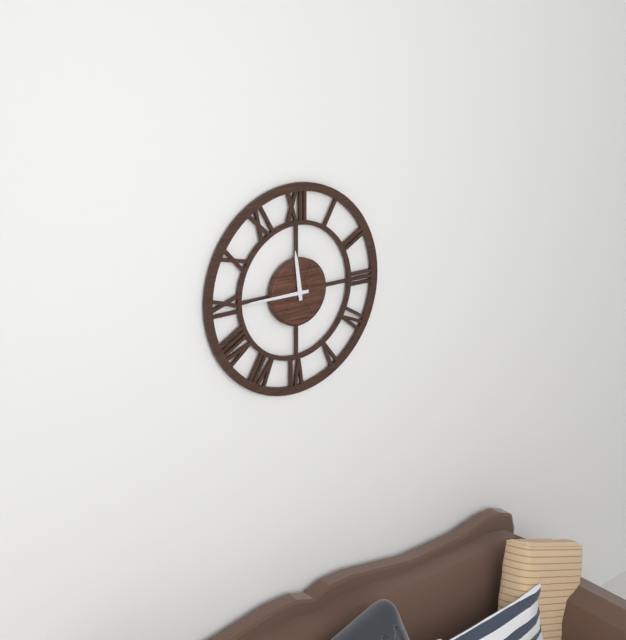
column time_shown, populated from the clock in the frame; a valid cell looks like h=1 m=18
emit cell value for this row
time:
h=11 m=45
